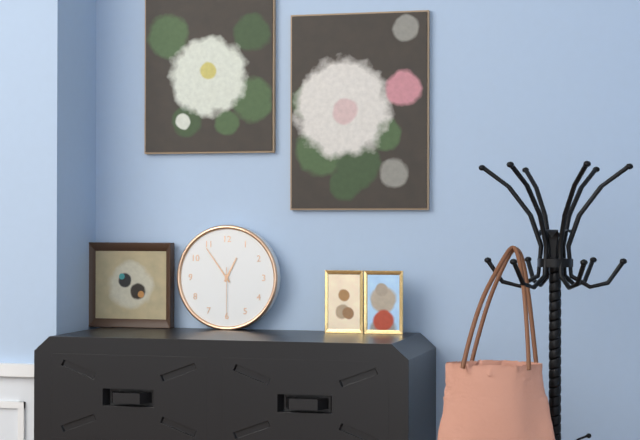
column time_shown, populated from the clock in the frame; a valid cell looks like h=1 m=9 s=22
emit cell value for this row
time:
h=12 m=54 s=30
